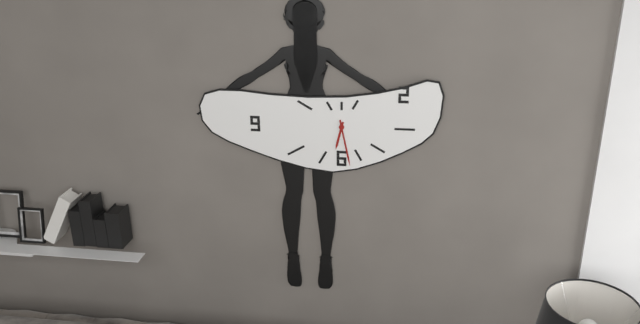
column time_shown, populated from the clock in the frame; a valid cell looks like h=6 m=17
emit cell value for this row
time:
h=6 m=28
